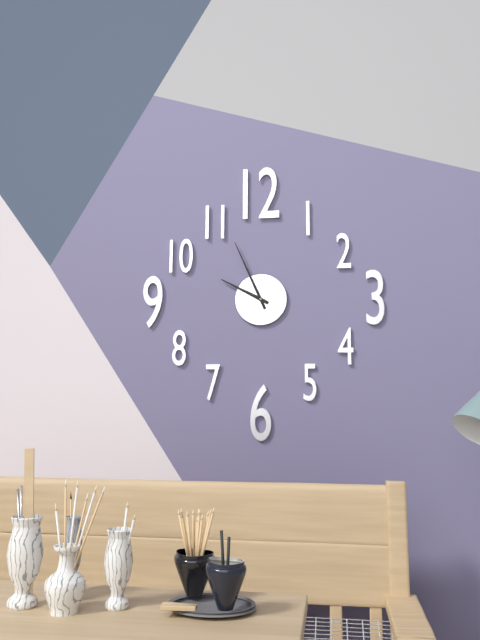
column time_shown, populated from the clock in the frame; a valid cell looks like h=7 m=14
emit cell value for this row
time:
h=9 m=56
